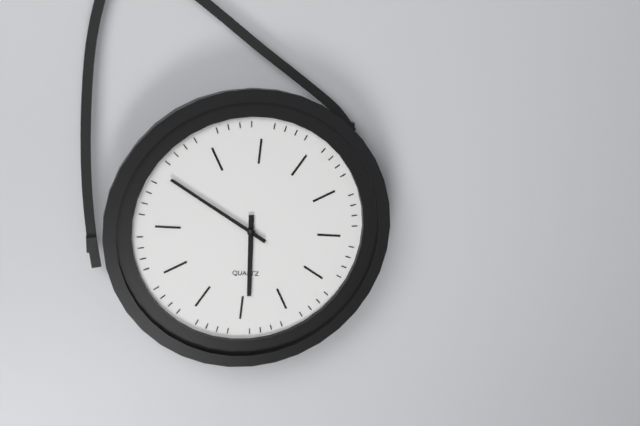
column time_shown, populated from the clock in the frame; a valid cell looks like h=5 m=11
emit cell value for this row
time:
h=5 m=50
